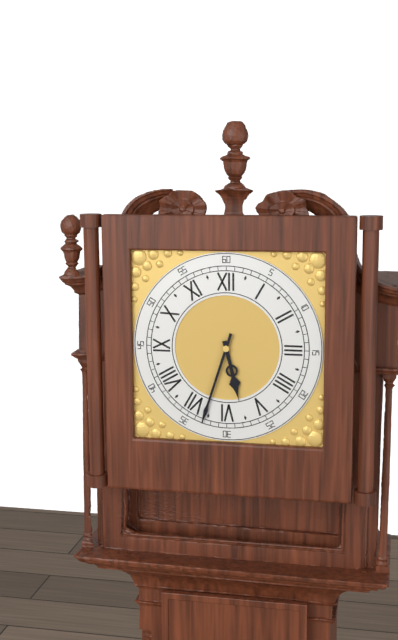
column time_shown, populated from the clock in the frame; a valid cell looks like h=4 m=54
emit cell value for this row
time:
h=5 m=33
